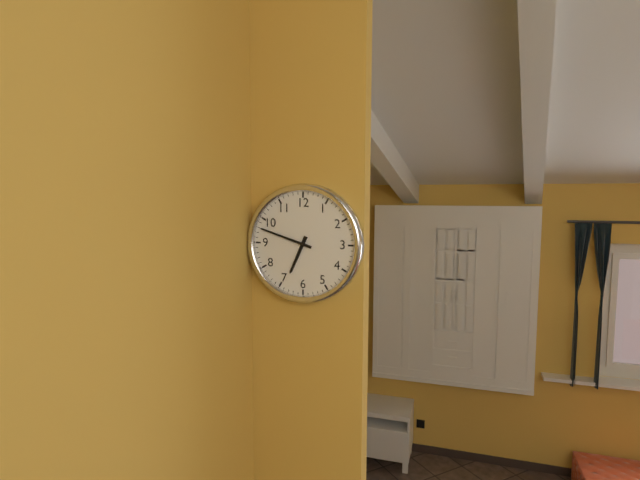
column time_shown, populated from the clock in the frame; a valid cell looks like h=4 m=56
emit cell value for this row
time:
h=6 m=48
